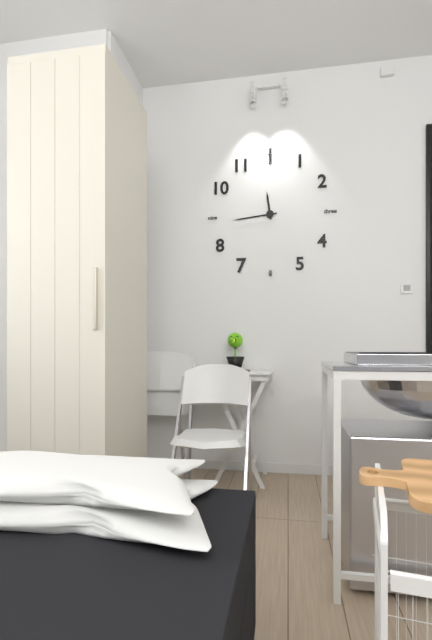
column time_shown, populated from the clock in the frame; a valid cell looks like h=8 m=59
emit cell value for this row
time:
h=11 m=44
